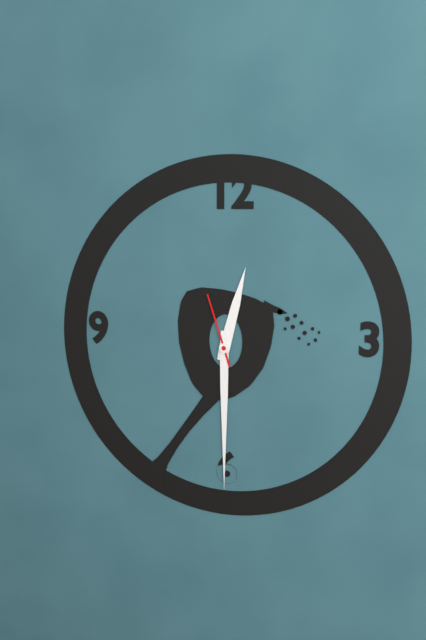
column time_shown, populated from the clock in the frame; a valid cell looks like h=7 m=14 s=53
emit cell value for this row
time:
h=12 m=30 s=57
